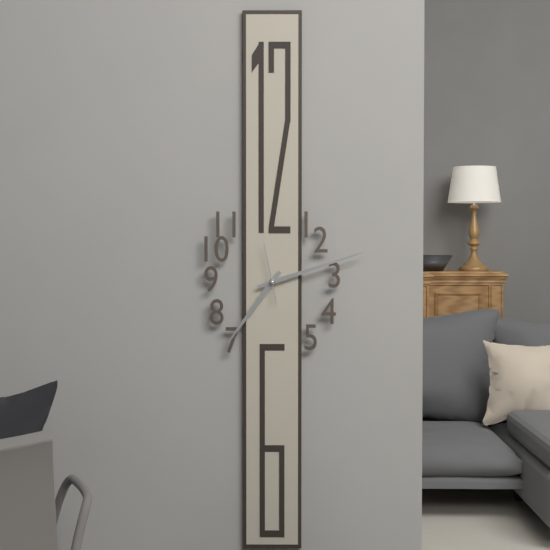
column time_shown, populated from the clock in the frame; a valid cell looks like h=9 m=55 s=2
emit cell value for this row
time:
h=7 m=12 s=58
